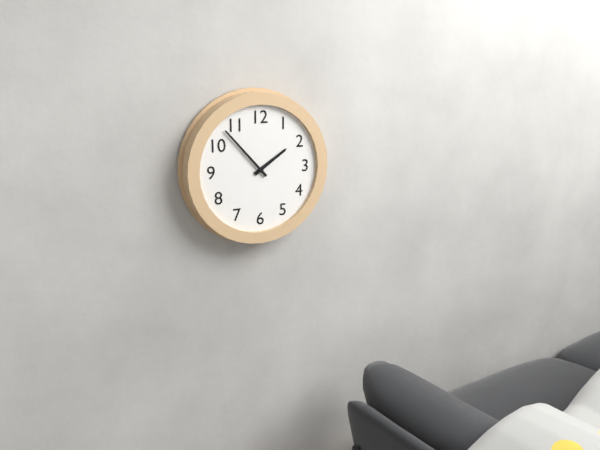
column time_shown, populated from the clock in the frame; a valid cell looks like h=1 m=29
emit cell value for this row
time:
h=1 m=53
